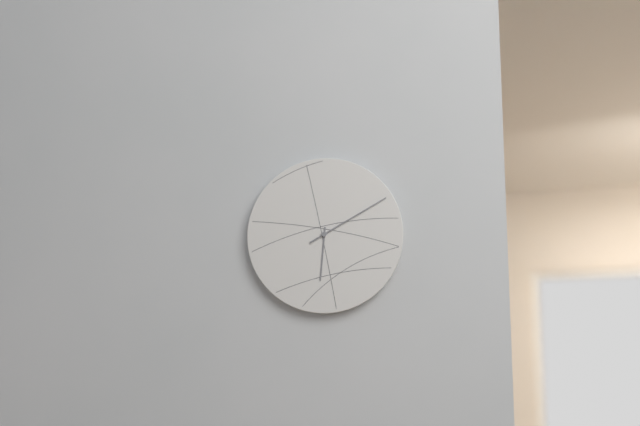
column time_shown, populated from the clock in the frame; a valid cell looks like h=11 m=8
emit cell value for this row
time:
h=6 m=10
